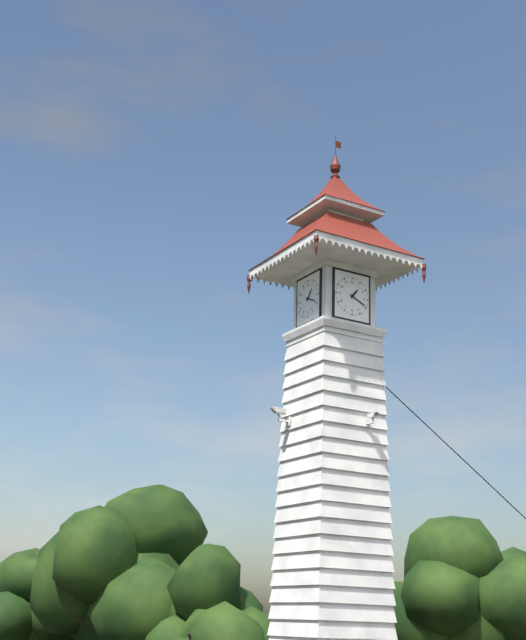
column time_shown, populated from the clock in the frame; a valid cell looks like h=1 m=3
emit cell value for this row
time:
h=1 m=19
